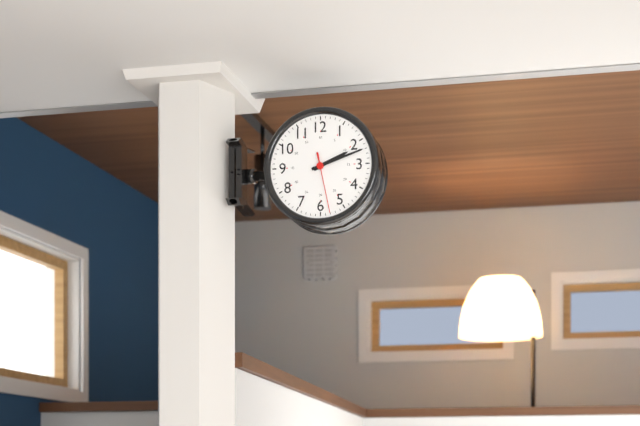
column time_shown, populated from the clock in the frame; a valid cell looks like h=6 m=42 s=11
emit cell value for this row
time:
h=2 m=12 s=28
